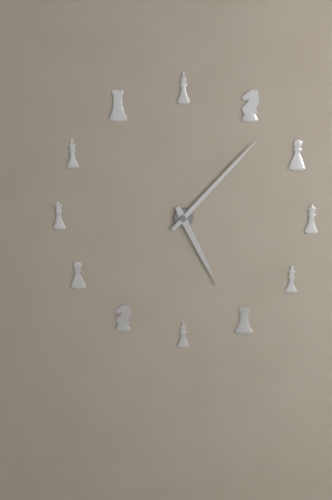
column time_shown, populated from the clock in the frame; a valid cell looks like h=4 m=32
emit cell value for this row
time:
h=5 m=7
